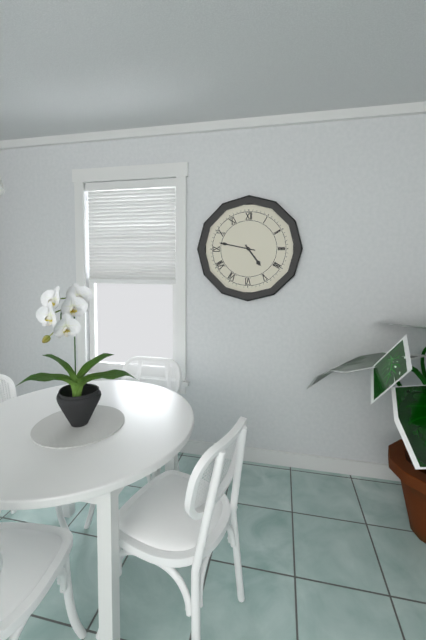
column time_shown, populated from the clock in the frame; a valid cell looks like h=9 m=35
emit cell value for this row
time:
h=4 m=47
